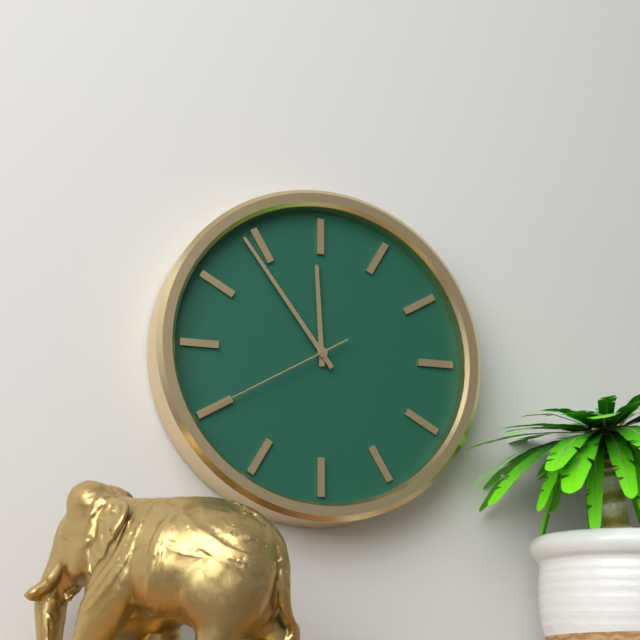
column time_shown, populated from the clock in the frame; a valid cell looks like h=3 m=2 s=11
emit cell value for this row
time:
h=11 m=54 s=40
